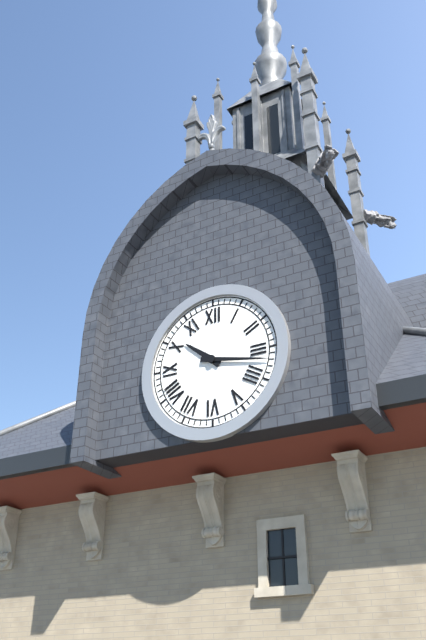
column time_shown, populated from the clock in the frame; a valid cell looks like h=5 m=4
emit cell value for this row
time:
h=10 m=17
